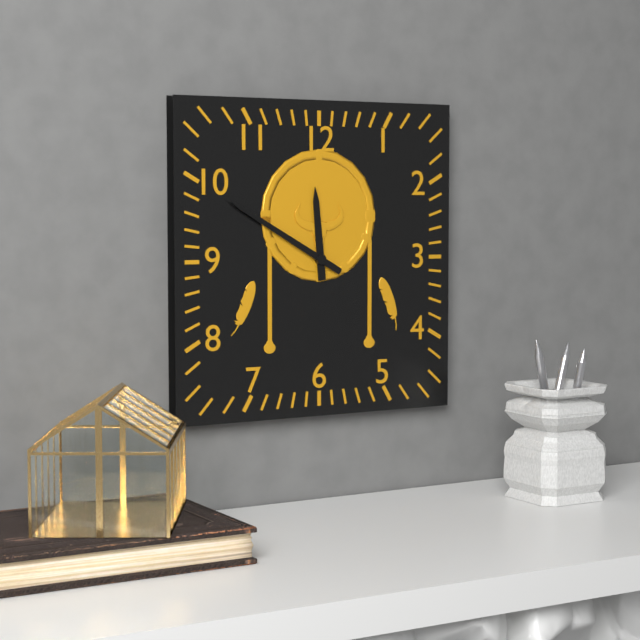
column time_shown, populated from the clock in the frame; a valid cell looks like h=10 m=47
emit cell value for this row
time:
h=11 m=50
